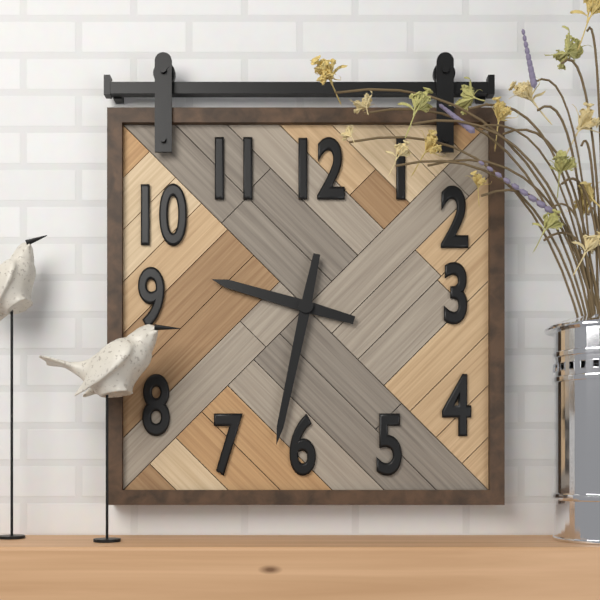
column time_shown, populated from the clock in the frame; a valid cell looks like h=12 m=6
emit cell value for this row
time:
h=9 m=32
